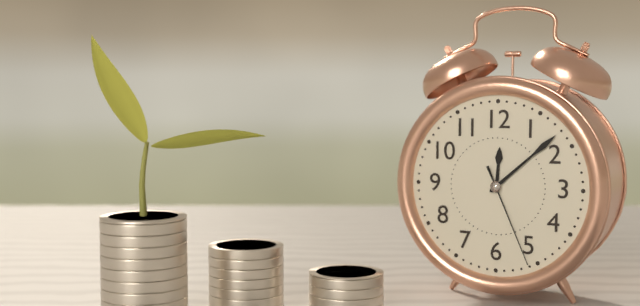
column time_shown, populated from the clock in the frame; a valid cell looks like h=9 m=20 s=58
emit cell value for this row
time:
h=12 m=8 s=26
